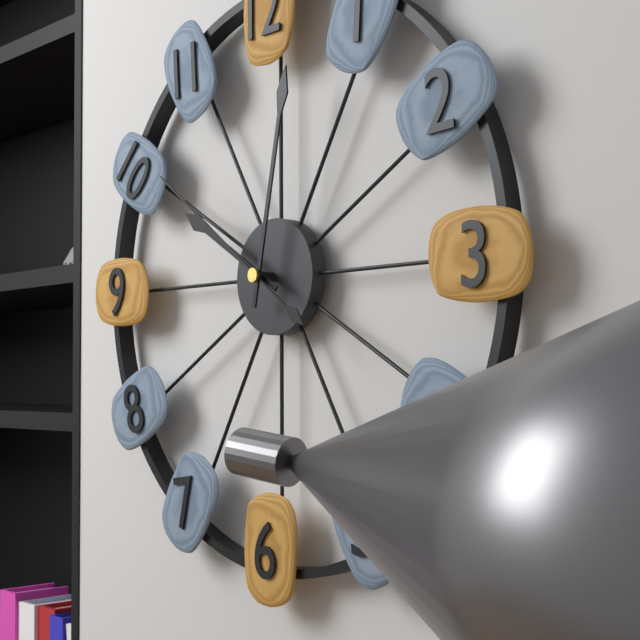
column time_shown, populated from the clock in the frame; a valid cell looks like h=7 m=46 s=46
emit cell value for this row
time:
h=10 m=2 s=51
